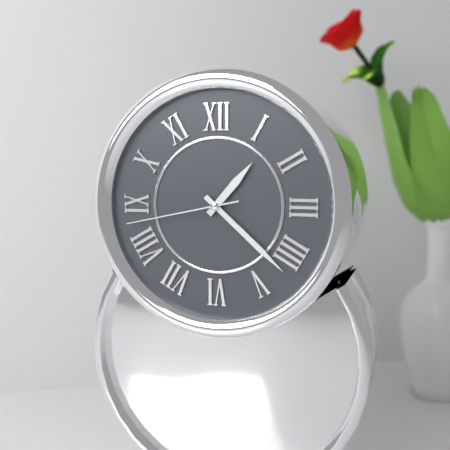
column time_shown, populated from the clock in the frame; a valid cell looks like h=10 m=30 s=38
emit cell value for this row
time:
h=1 m=22 s=43
